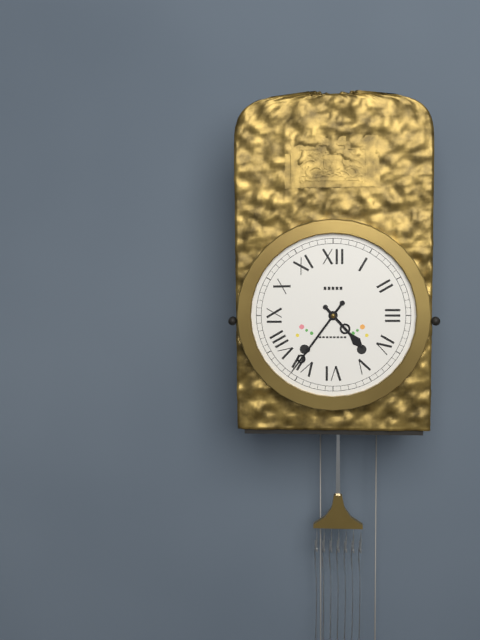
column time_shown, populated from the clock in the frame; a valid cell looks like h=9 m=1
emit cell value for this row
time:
h=4 m=36
